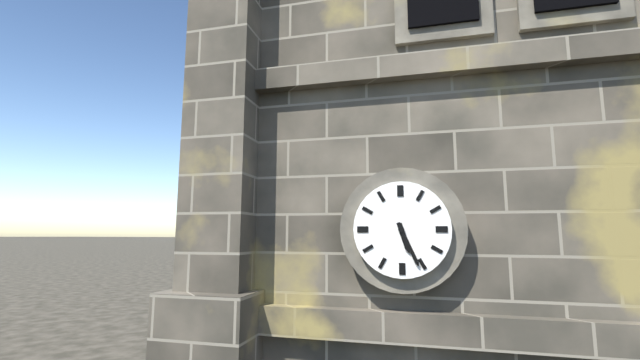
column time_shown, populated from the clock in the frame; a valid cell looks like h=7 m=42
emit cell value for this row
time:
h=5 m=26
